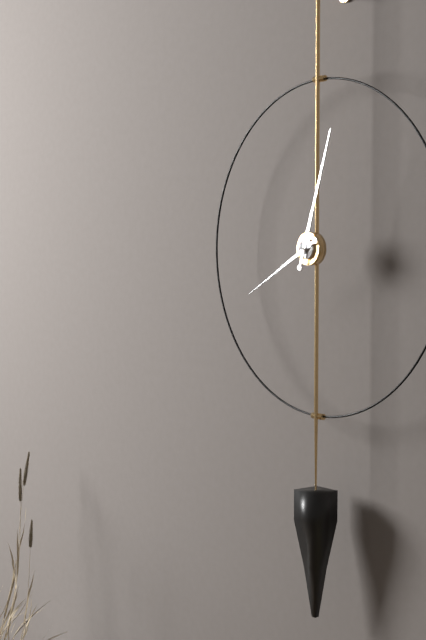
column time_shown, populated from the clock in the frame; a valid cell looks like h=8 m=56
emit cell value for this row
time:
h=8 m=3
